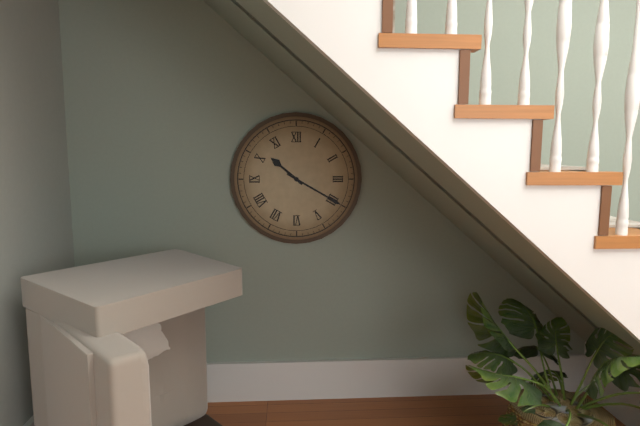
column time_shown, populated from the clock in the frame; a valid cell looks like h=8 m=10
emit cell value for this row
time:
h=10 m=20
